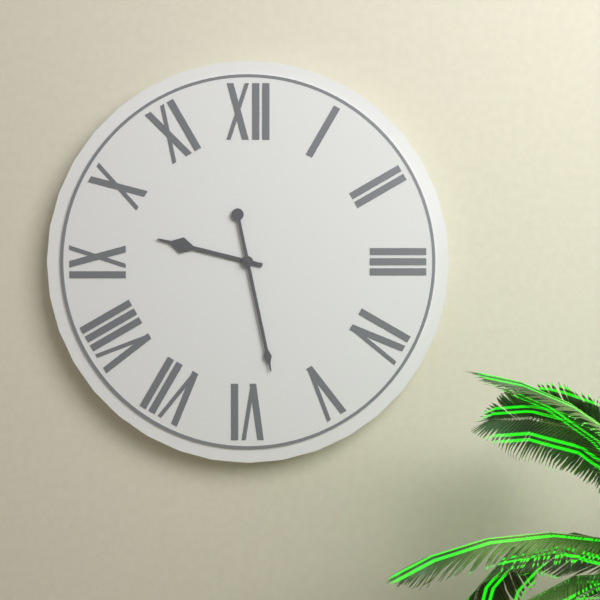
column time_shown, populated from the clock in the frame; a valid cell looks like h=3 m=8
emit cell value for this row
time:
h=9 m=28
